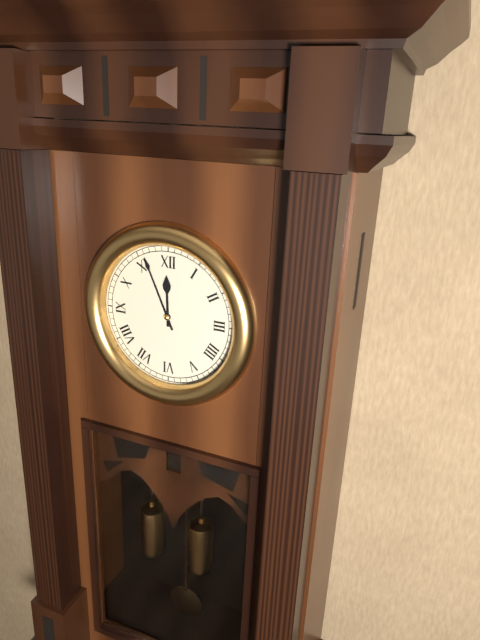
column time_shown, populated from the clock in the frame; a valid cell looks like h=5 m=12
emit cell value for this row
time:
h=11 m=56
